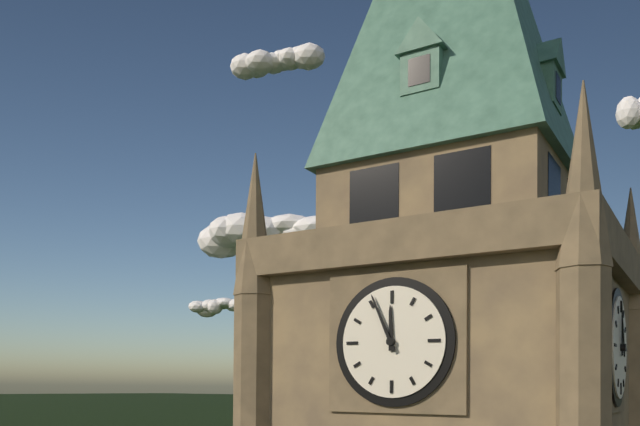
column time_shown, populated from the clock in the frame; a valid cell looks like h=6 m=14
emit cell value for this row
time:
h=11 m=56
